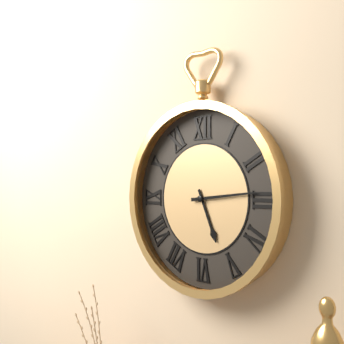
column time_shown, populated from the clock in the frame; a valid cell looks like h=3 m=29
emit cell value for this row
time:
h=5 m=14
